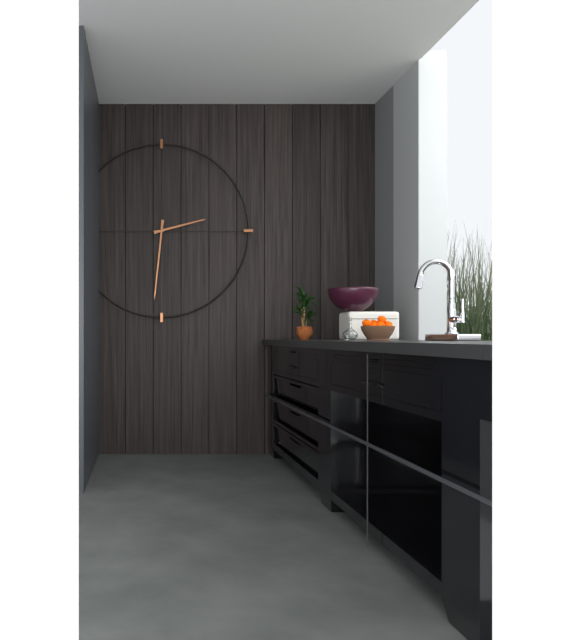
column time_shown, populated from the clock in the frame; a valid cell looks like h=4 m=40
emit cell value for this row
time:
h=2 m=31
